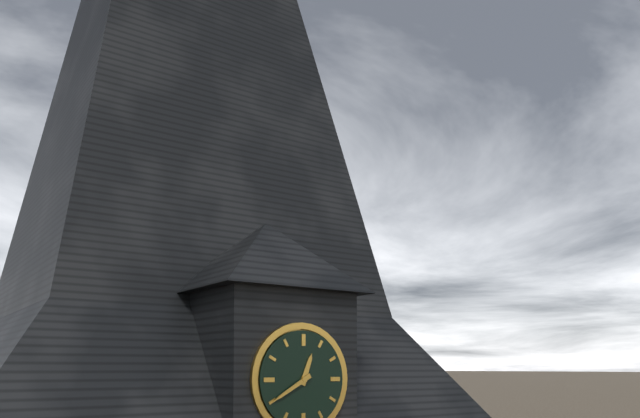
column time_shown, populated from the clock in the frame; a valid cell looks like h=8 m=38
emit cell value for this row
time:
h=12 m=40
